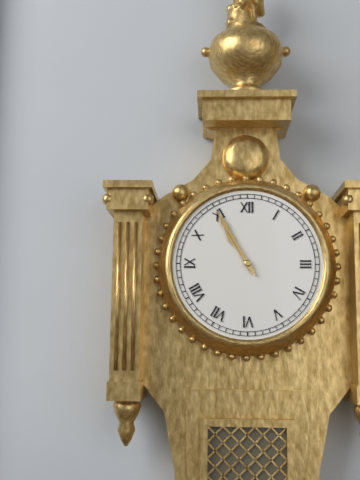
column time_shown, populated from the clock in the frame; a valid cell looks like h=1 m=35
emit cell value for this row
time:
h=10 m=55
